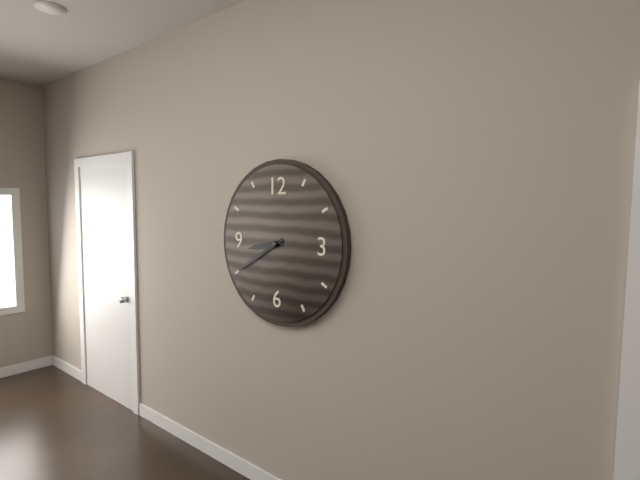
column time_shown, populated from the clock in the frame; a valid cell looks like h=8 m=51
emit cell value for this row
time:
h=8 m=40
